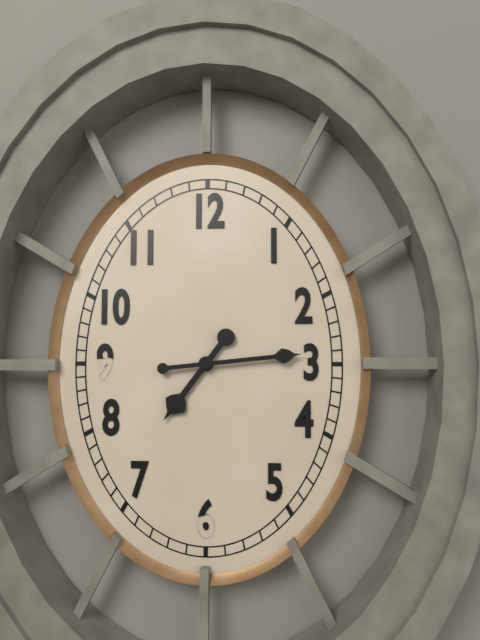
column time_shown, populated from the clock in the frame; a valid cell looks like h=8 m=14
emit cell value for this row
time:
h=7 m=14
